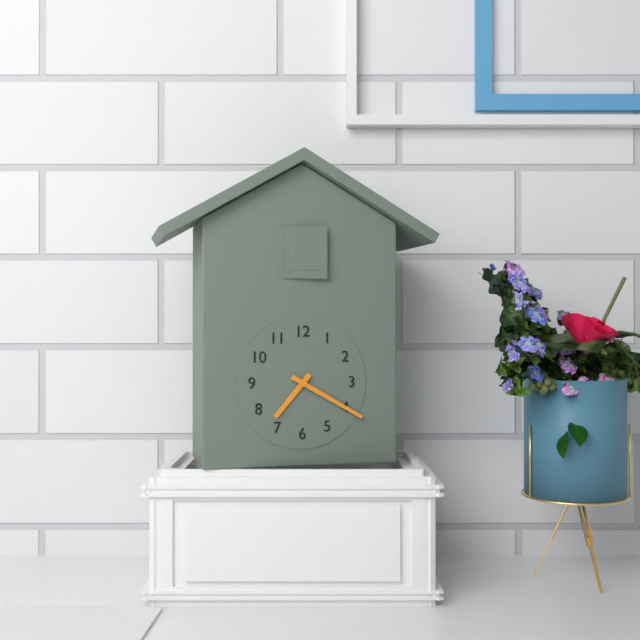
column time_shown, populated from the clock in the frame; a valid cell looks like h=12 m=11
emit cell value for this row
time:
h=7 m=20
